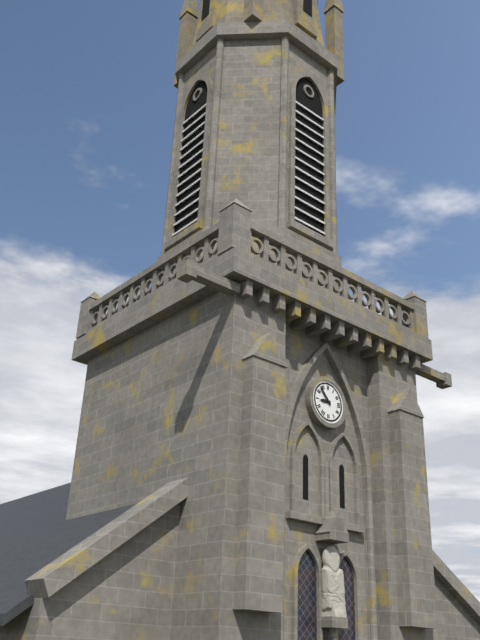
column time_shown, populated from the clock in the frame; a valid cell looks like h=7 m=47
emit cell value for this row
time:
h=8 m=53
